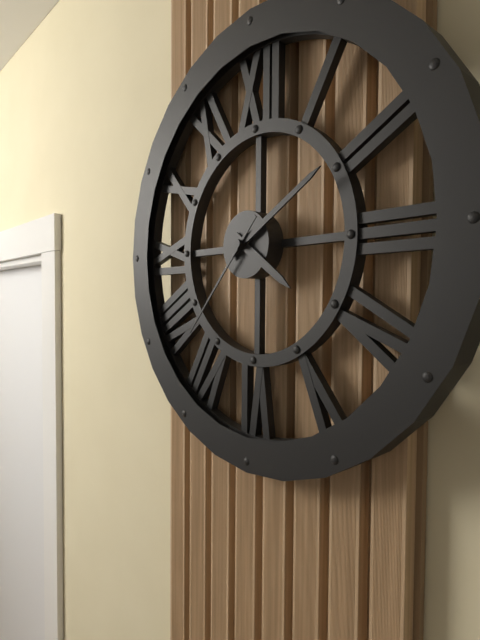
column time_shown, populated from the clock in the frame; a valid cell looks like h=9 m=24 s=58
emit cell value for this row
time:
h=4 m=10 s=37
